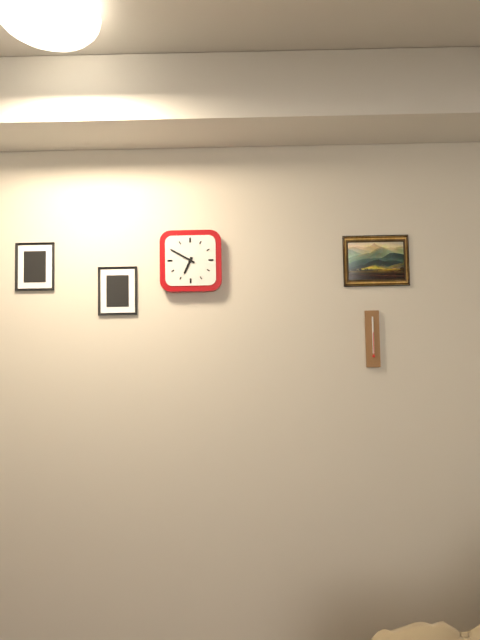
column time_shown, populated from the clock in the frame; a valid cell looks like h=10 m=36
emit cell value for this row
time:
h=6 m=50
